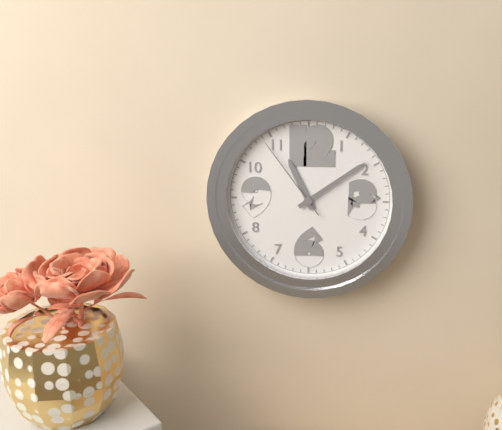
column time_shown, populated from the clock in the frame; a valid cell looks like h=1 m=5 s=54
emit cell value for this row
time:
h=11 m=9 s=54
